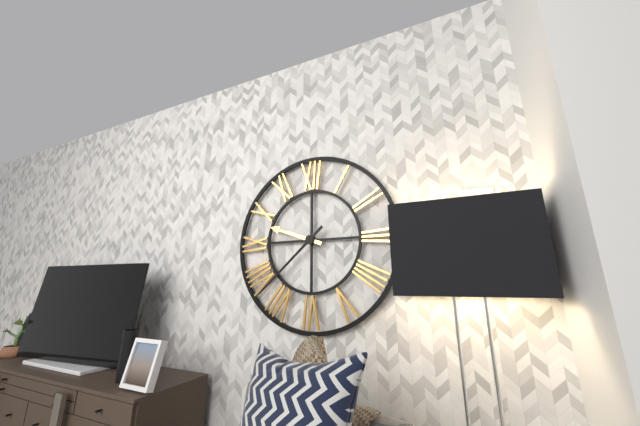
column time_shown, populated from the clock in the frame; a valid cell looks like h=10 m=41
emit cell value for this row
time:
h=9 m=38
